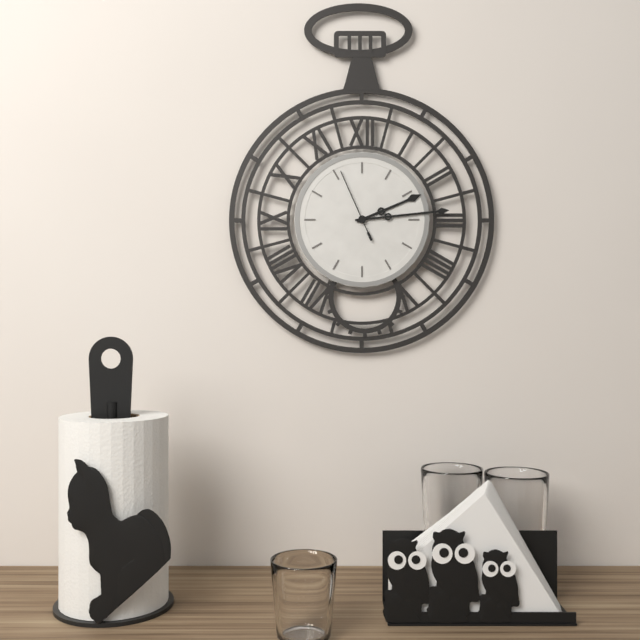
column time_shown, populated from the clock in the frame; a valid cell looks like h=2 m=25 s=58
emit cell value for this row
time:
h=2 m=14 s=56
